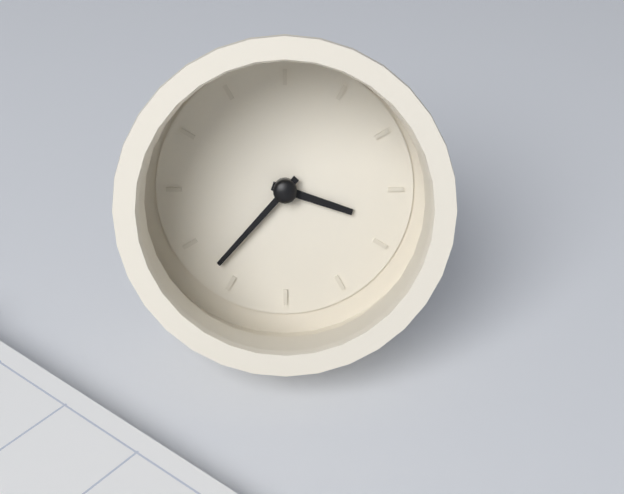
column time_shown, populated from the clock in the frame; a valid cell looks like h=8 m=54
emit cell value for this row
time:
h=3 m=37
